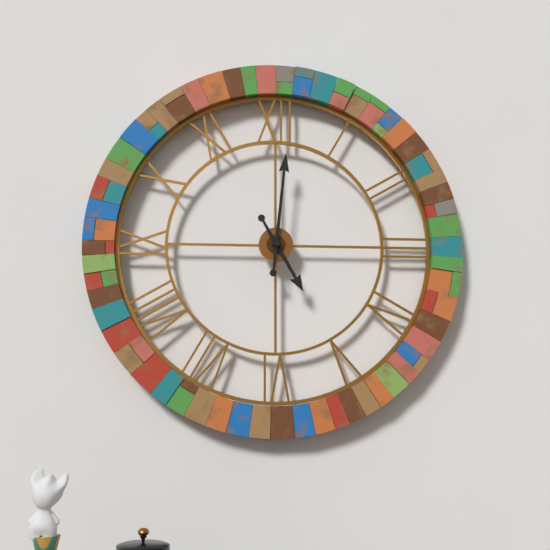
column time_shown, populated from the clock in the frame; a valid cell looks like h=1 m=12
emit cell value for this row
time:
h=5 m=1
